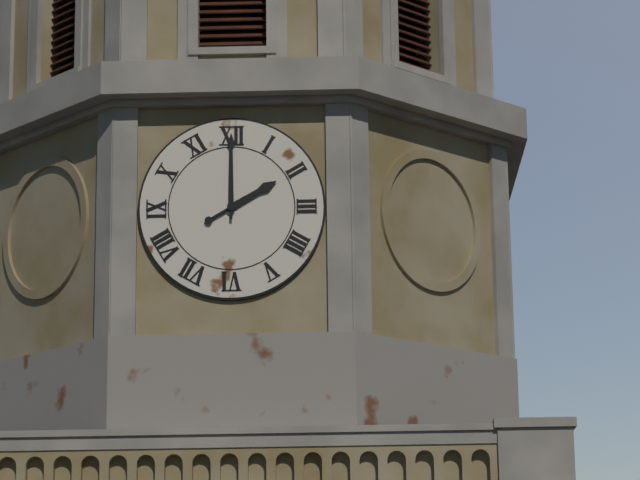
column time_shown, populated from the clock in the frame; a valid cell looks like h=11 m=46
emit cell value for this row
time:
h=2 m=0
